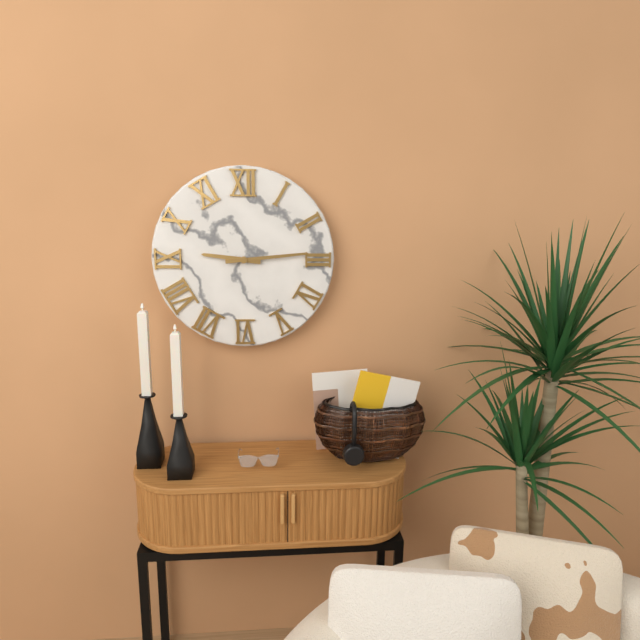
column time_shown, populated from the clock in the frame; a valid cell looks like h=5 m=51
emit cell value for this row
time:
h=9 m=14
